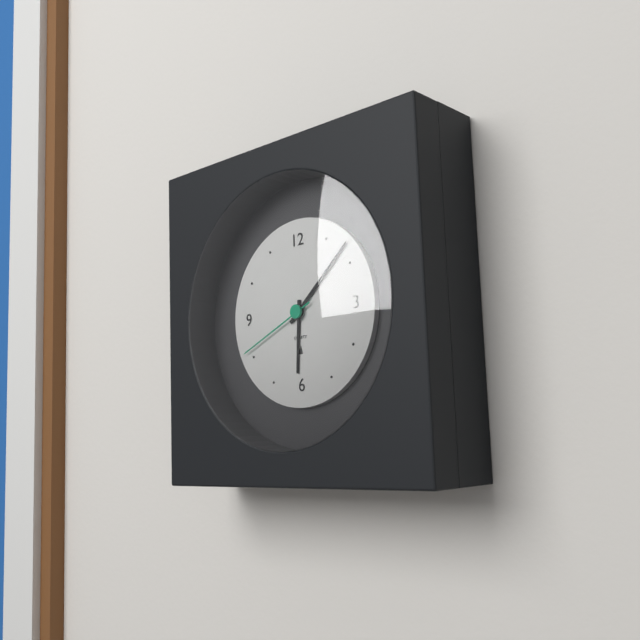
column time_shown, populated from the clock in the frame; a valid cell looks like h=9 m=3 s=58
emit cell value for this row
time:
h=6 m=8 s=41
